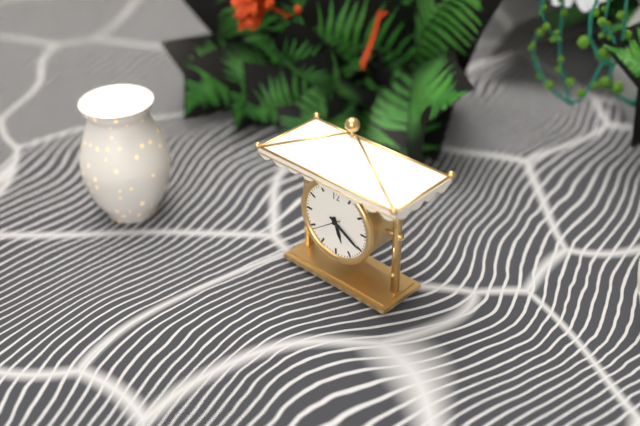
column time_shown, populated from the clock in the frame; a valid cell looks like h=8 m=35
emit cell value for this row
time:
h=5 m=20
